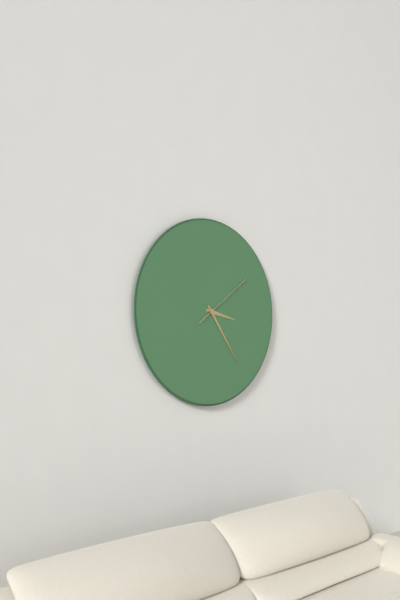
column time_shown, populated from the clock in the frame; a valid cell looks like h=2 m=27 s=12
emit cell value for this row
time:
h=3 m=24 s=9
